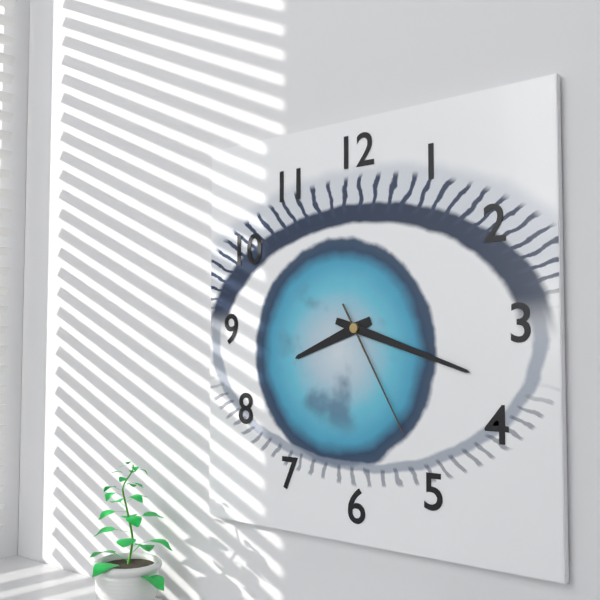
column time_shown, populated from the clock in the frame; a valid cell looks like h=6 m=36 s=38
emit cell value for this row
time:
h=8 m=18 s=25
